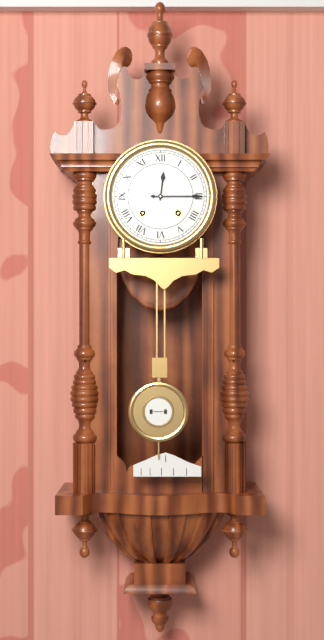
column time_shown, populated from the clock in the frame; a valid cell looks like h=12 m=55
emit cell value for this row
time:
h=12 m=15
